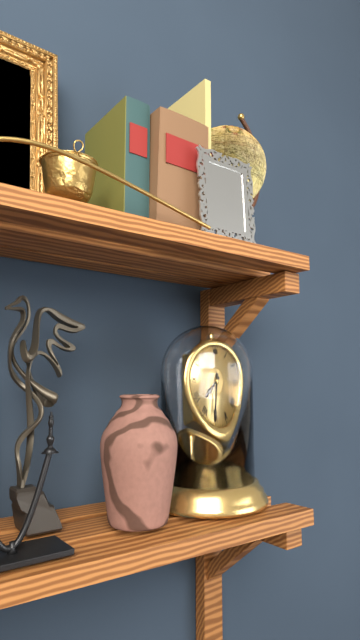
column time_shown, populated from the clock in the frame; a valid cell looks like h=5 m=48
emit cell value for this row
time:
h=7 m=31
